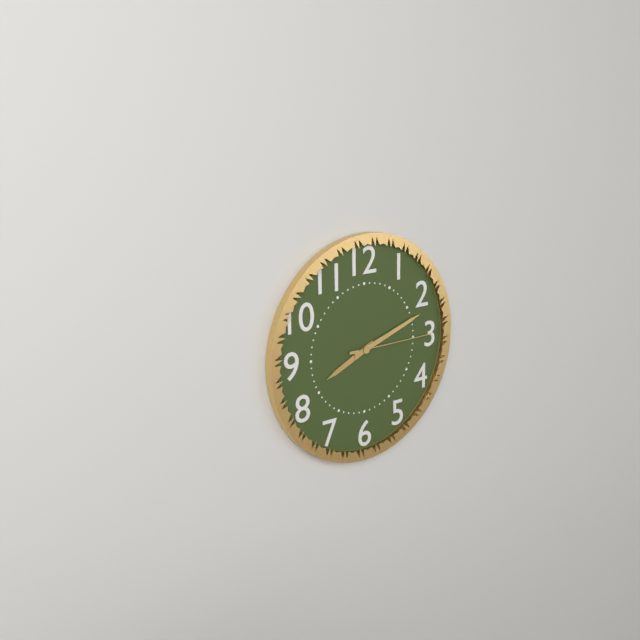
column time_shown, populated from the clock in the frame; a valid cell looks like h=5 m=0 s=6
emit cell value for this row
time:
h=8 m=12 s=15
